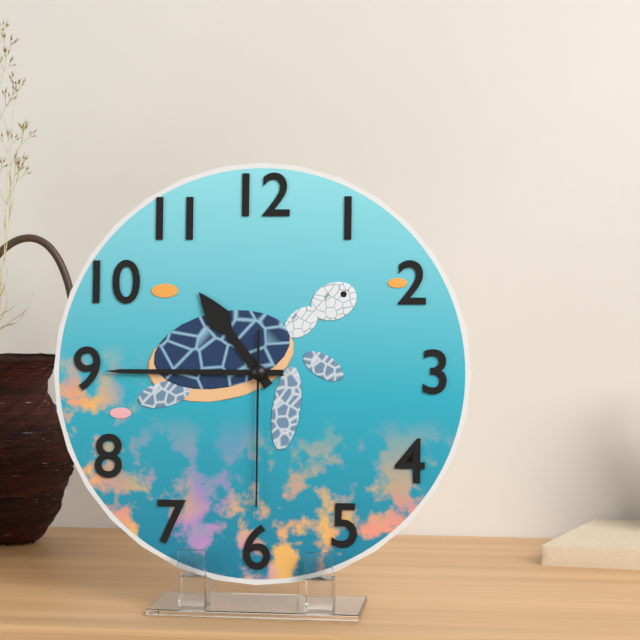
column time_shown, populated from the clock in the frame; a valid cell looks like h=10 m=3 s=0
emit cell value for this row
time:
h=10 m=45 s=30
